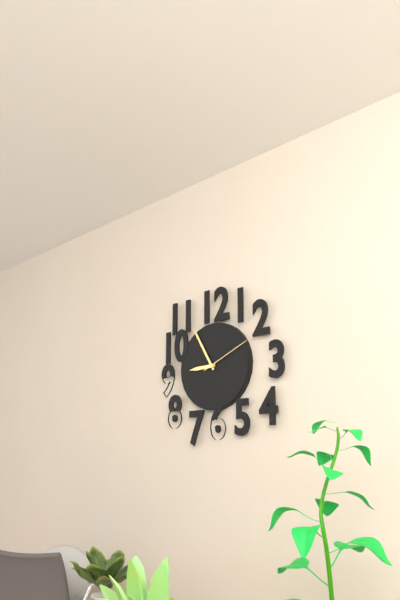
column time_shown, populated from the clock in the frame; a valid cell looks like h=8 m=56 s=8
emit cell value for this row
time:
h=8 m=55 s=11
